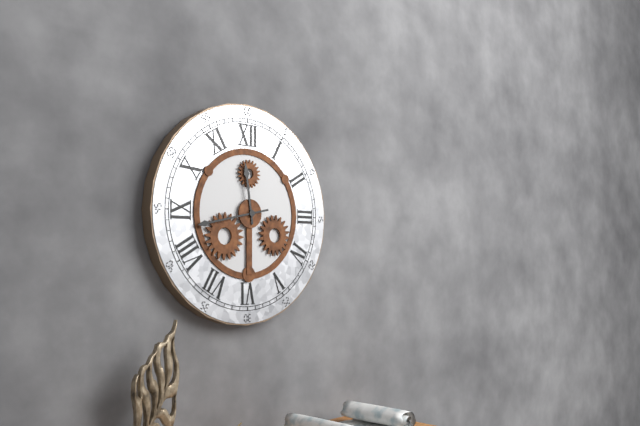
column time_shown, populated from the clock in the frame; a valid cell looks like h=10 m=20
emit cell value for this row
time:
h=11 m=43
